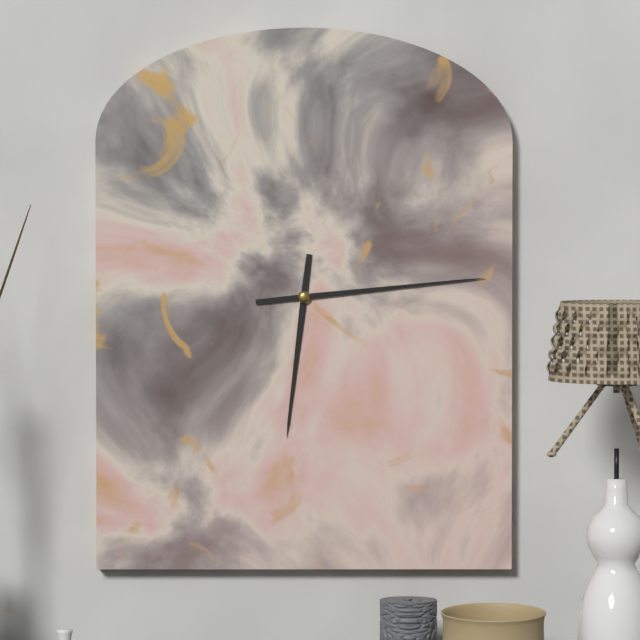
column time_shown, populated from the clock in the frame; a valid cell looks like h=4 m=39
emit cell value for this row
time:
h=6 m=14
